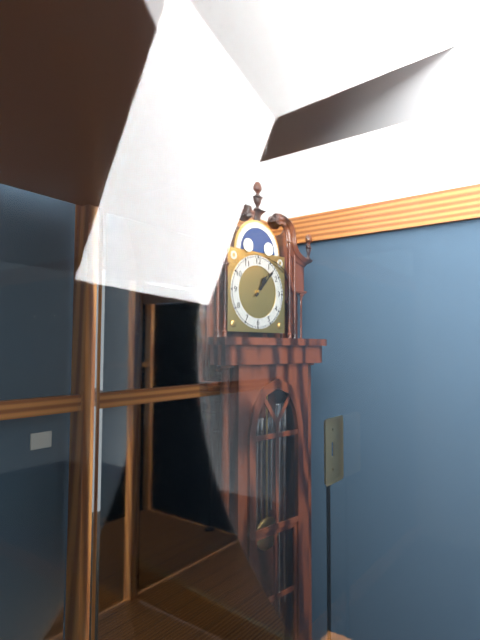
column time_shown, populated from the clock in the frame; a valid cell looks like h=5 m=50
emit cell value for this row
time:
h=1 m=7
